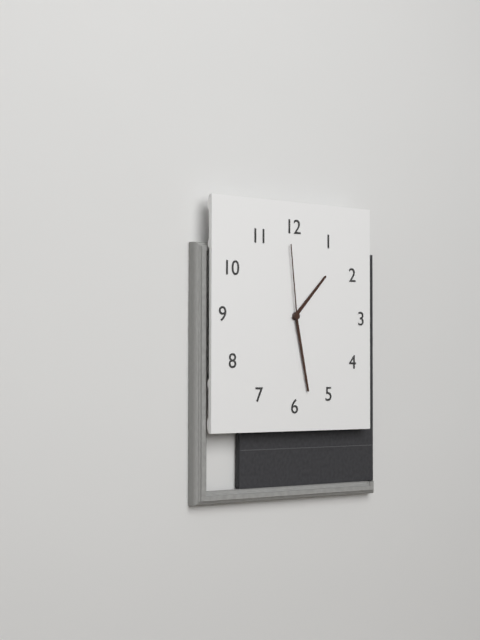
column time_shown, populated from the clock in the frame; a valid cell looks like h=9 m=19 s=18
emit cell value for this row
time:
h=1 m=28 s=59
